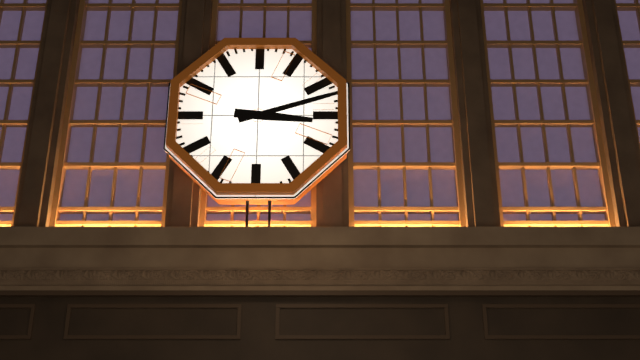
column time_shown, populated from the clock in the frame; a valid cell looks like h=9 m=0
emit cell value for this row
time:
h=3 m=12
